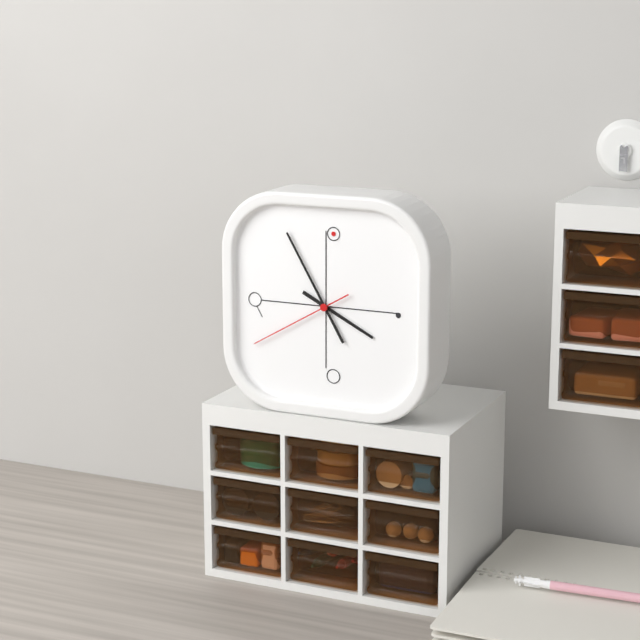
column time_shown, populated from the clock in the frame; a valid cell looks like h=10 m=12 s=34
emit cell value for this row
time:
h=3 m=55 s=40
